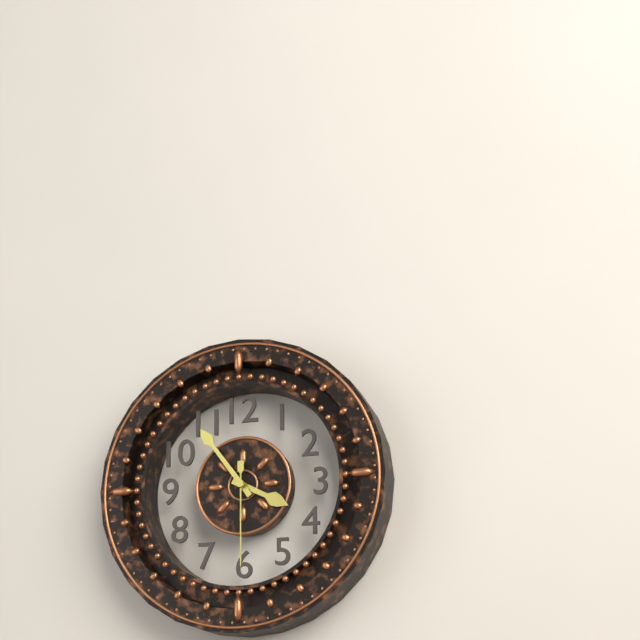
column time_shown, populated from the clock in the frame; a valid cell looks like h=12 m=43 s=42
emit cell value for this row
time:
h=3 m=54 s=30
